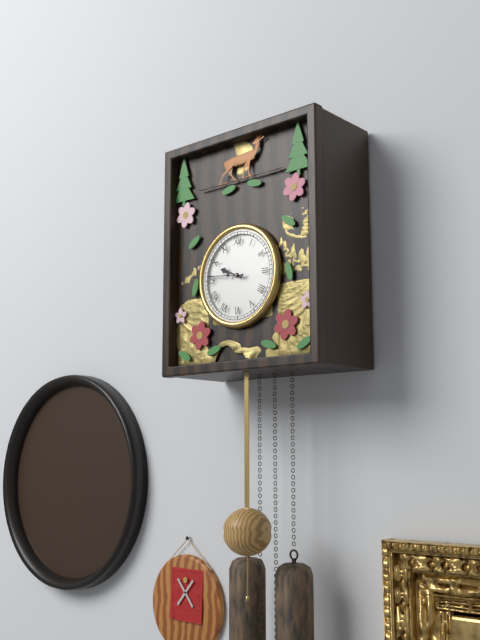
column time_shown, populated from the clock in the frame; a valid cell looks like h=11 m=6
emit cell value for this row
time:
h=9 m=46
